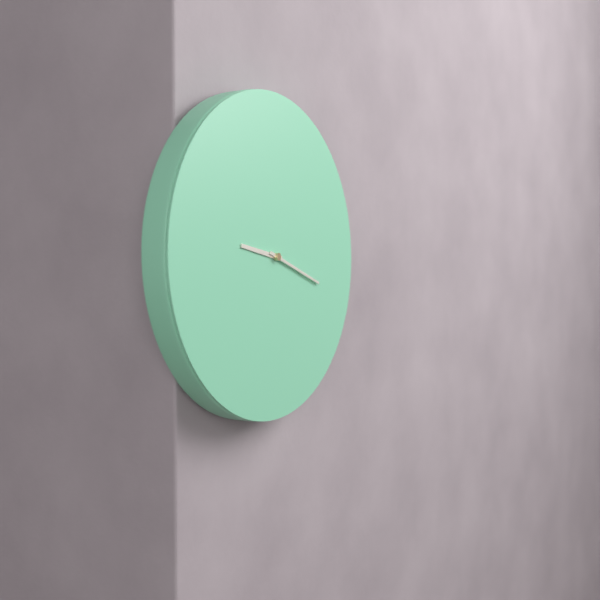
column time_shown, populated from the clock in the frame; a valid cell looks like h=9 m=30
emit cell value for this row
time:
h=9 m=18
